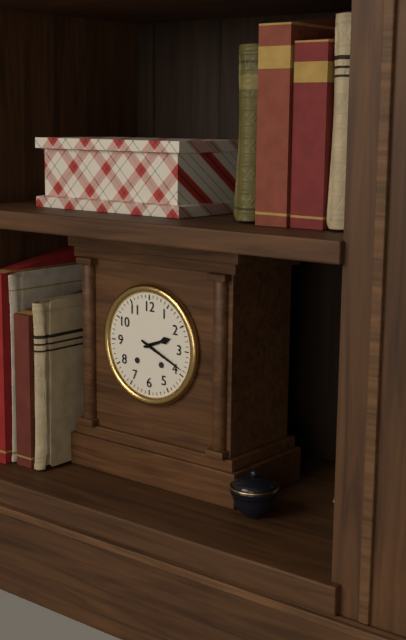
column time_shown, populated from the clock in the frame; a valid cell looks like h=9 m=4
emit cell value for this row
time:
h=2 m=19
